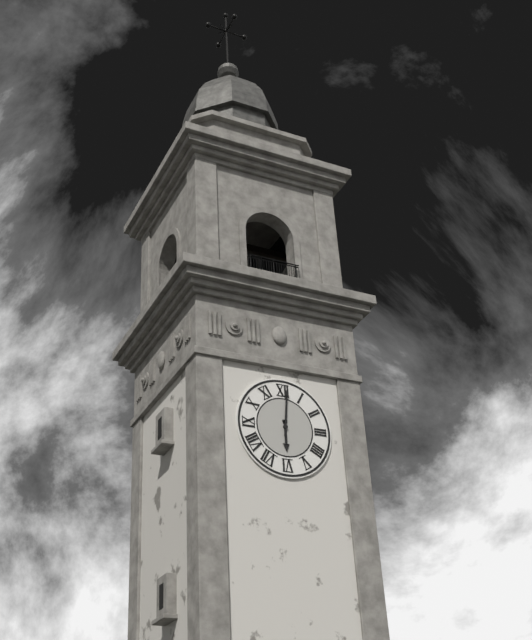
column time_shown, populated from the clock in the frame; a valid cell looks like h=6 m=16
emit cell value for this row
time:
h=6 m=1
